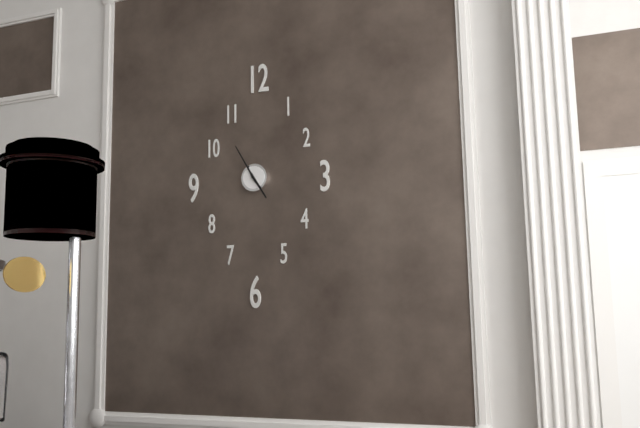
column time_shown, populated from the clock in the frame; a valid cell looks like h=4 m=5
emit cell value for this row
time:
h=4 m=55
